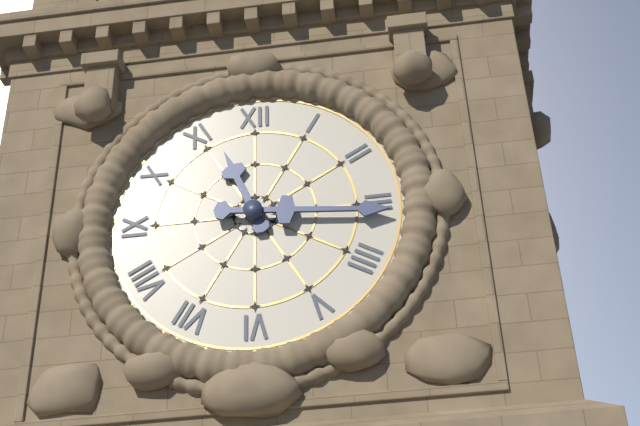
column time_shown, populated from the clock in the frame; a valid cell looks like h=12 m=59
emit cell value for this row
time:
h=11 m=16
